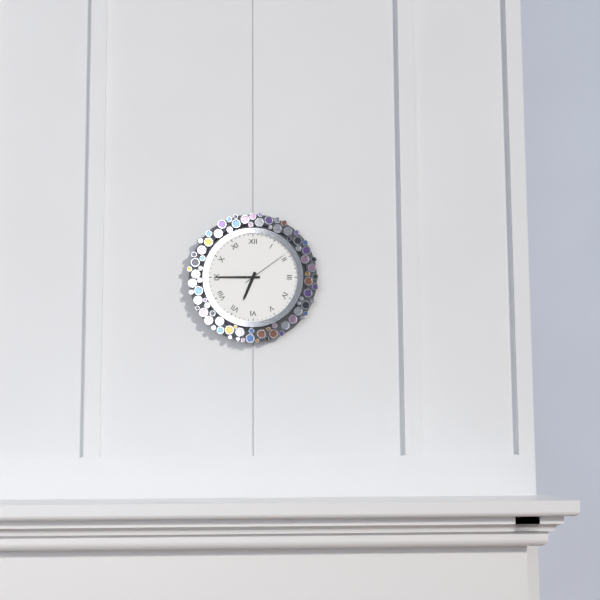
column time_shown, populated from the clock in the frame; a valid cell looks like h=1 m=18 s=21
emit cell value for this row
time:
h=6 m=45 s=9
